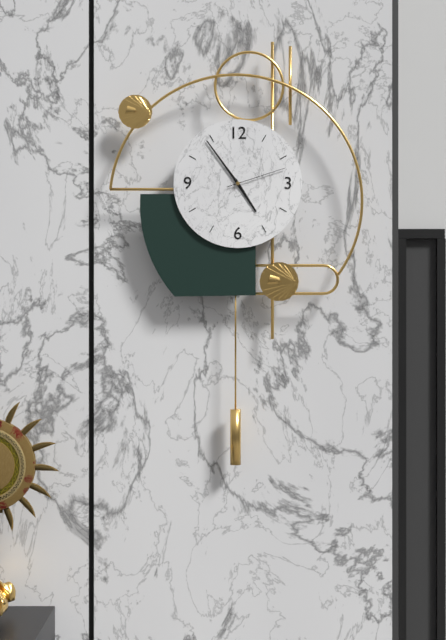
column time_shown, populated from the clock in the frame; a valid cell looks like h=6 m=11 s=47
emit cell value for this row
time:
h=4 m=54 s=12
